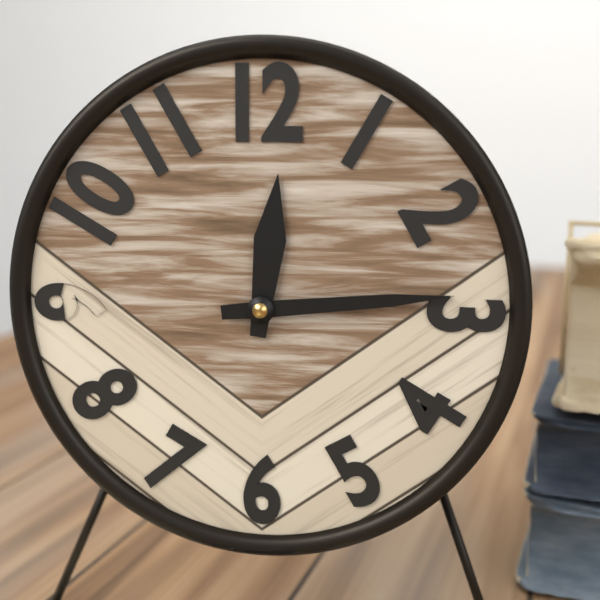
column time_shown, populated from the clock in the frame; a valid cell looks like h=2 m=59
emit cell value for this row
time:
h=12 m=14
